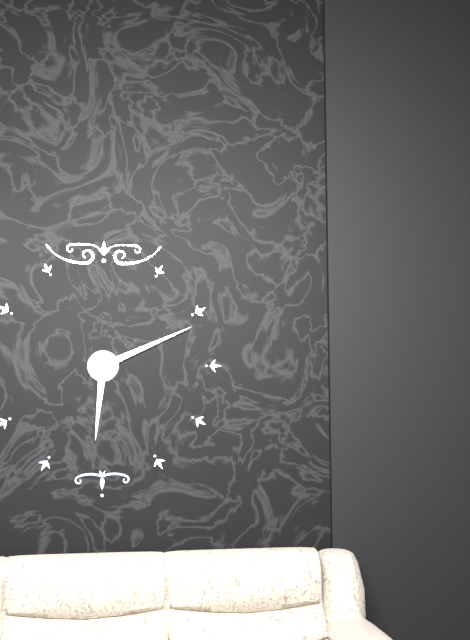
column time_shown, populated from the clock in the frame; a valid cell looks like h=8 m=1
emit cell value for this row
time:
h=6 m=11
